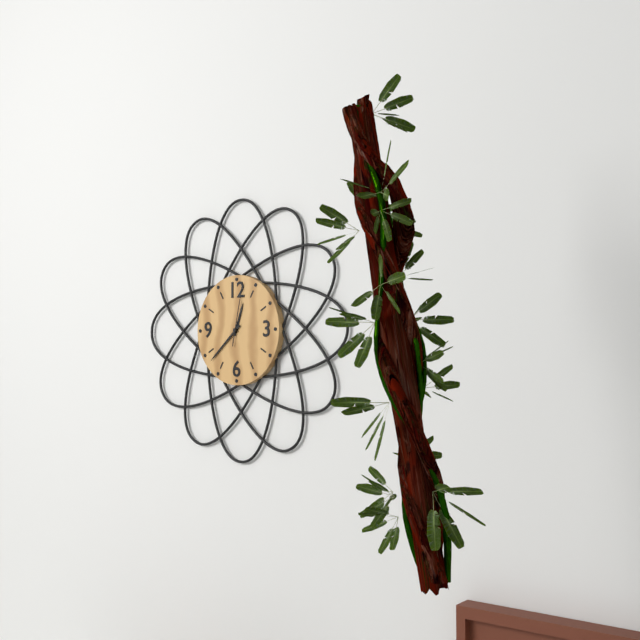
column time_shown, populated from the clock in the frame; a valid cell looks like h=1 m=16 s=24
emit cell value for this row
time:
h=12 m=38 s=2
